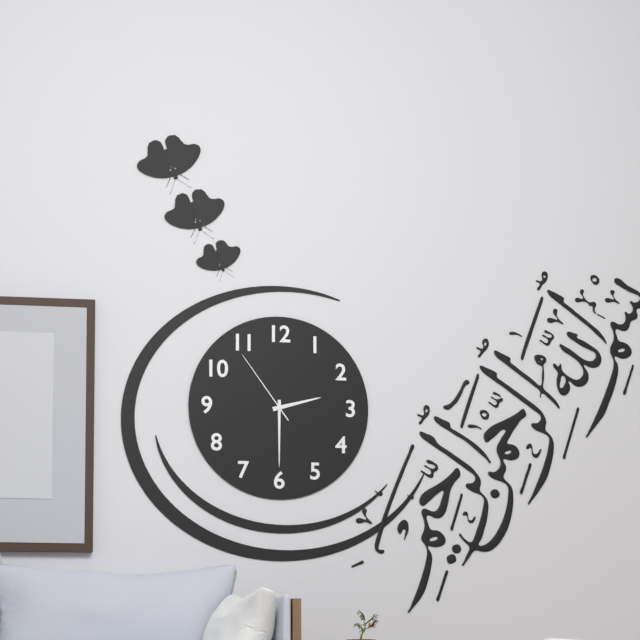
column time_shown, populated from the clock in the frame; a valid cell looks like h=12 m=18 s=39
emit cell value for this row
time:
h=2 m=30 s=54
